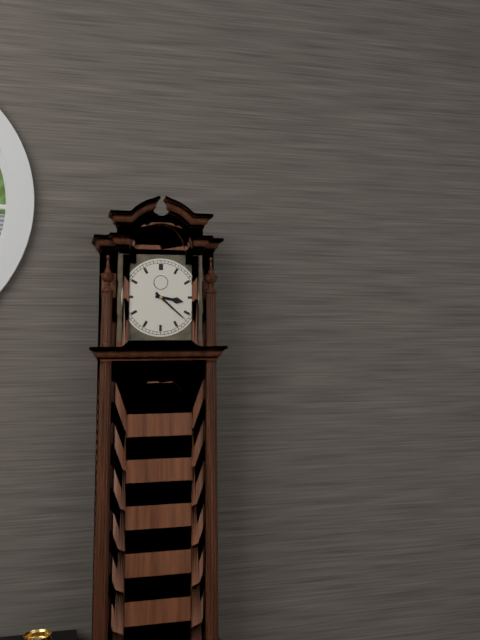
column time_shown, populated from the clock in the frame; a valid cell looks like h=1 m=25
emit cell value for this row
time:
h=3 m=22
